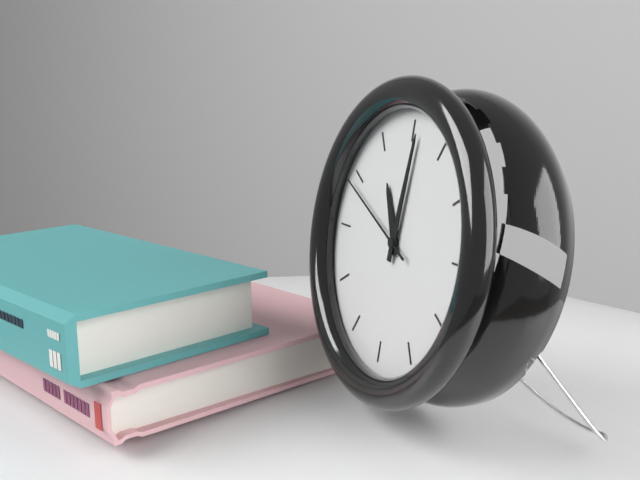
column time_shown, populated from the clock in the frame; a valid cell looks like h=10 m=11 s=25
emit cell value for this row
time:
h=11 m=1 s=49
